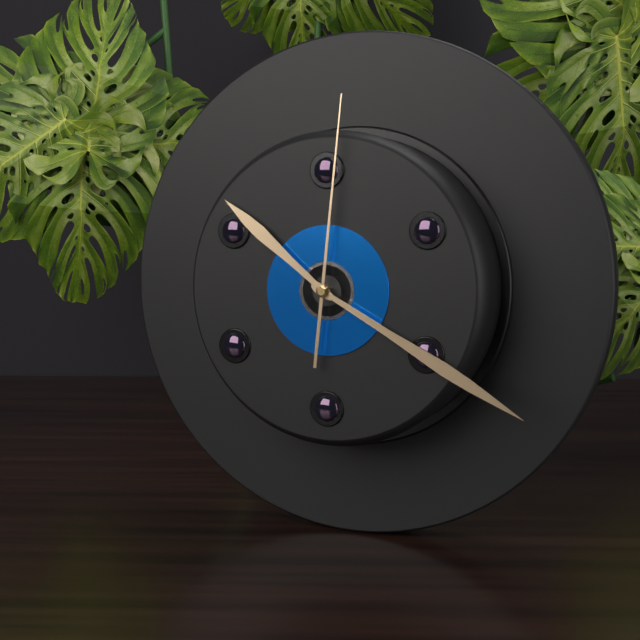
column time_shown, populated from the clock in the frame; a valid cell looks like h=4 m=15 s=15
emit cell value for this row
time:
h=10 m=20 s=1
